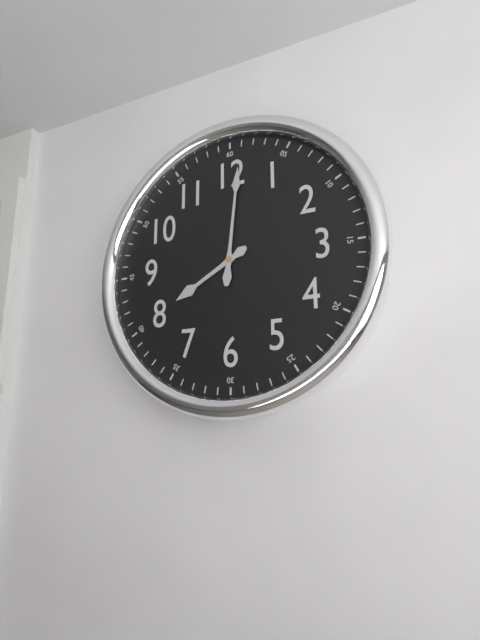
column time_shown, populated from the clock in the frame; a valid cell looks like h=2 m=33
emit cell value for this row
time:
h=8 m=1
